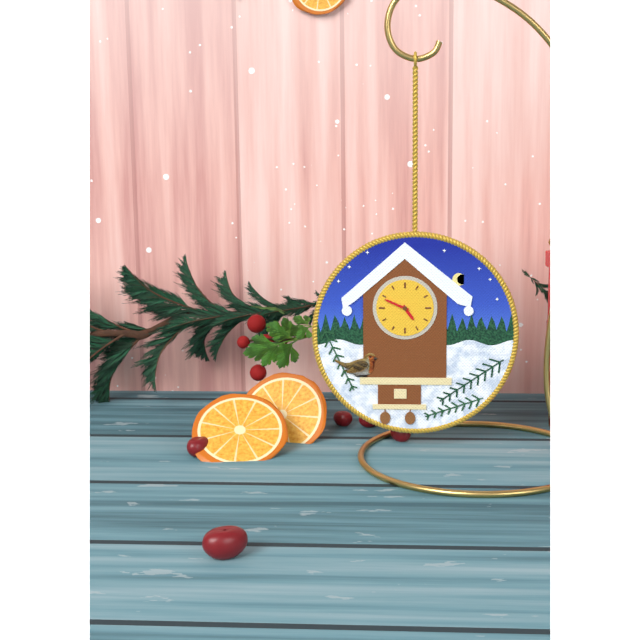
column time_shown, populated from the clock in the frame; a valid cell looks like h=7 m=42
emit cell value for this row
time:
h=4 m=49
